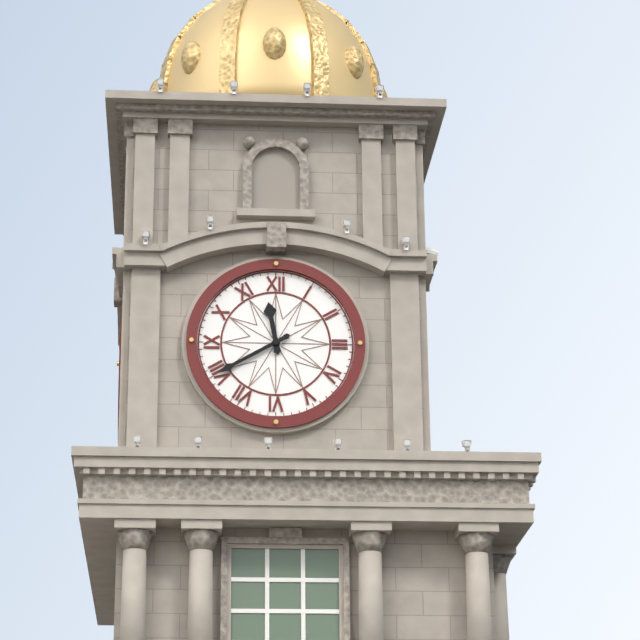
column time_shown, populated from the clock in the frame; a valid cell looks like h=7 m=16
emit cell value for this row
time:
h=11 m=40
